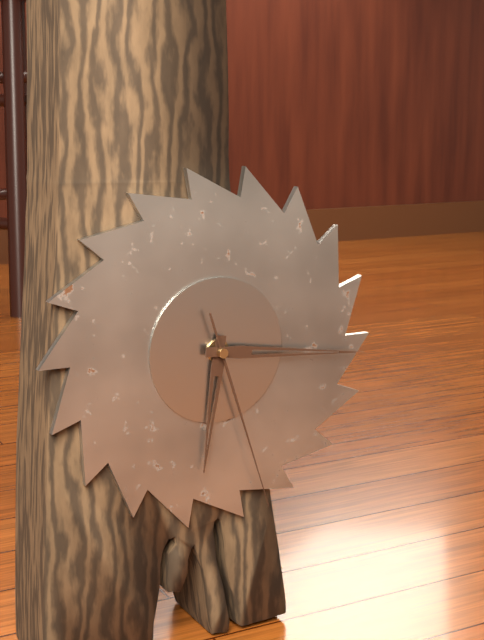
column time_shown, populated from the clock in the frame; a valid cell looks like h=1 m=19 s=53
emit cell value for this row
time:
h=6 m=16 s=27
